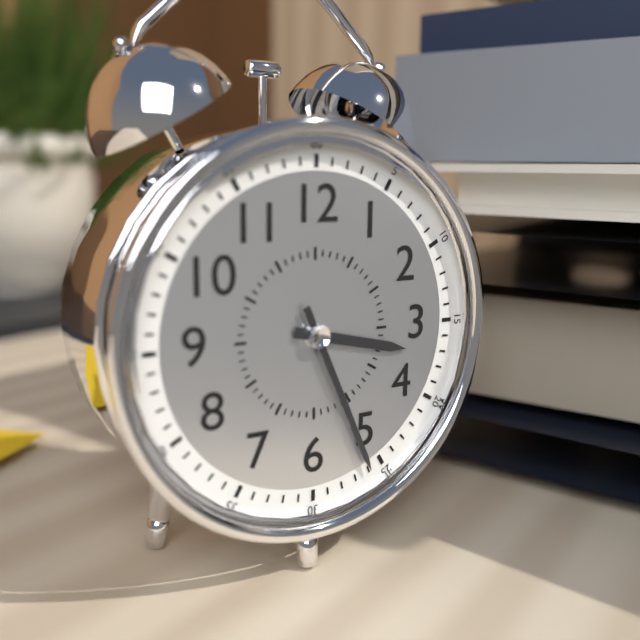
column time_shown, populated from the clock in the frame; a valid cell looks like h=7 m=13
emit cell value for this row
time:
h=3 m=26
